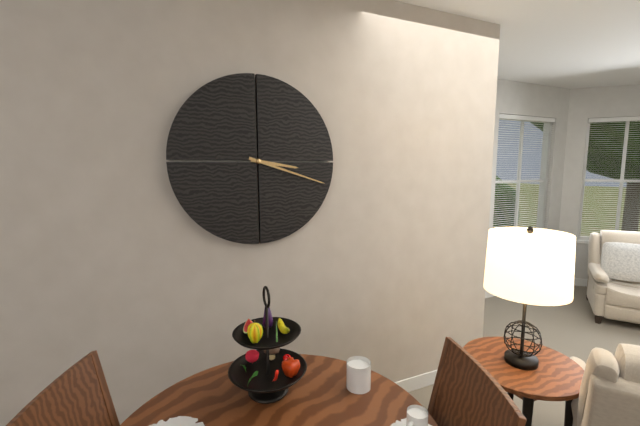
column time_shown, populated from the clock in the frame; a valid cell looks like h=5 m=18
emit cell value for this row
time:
h=3 m=18
